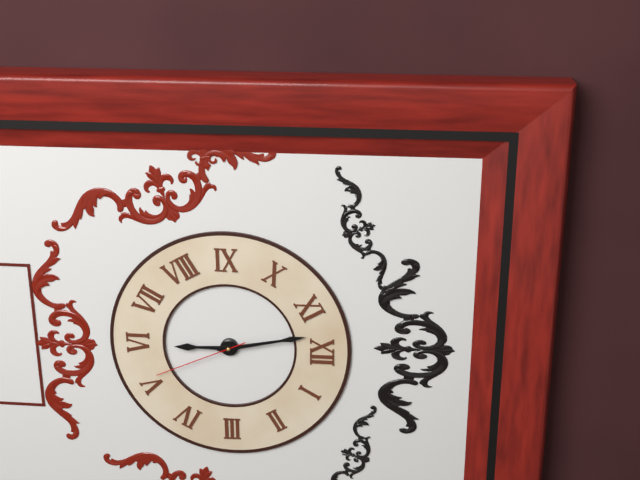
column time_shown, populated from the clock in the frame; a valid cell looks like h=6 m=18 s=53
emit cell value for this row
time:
h=5 m=58 s=26
